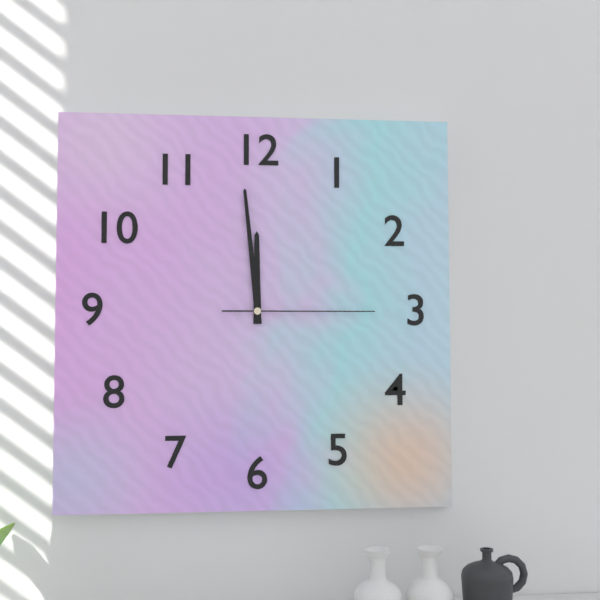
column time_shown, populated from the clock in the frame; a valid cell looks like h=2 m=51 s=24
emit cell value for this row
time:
h=11 m=59 s=15
